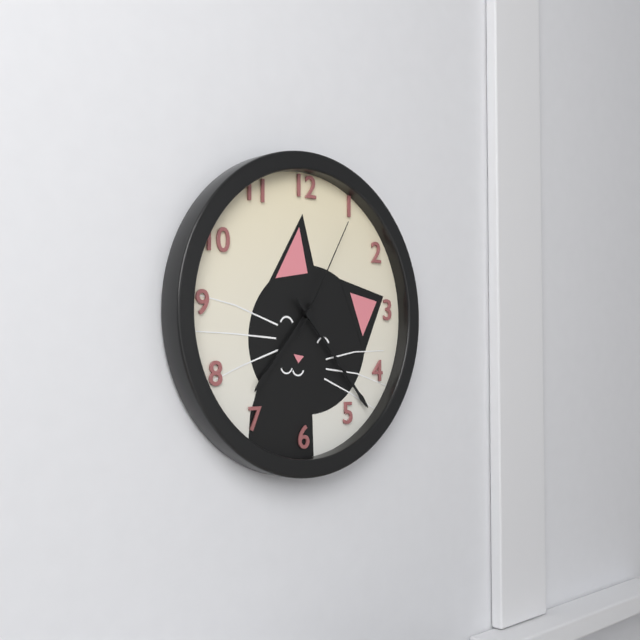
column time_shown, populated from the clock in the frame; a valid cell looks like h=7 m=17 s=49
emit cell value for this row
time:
h=7 m=23 s=5
